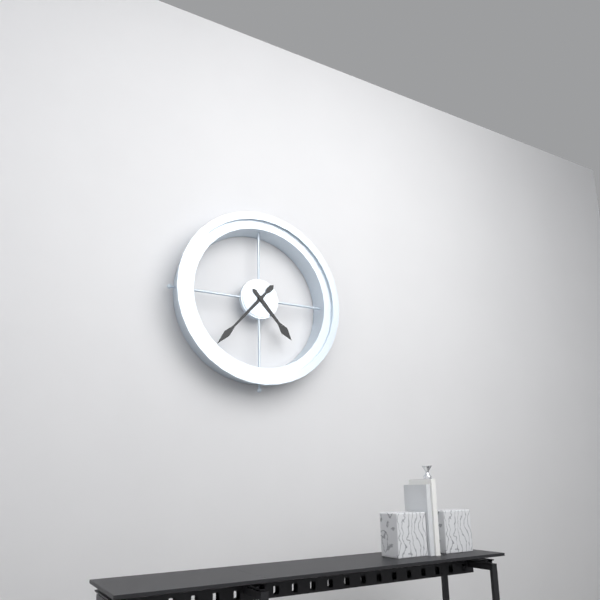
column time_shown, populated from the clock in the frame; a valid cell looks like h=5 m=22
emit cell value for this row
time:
h=4 m=37
